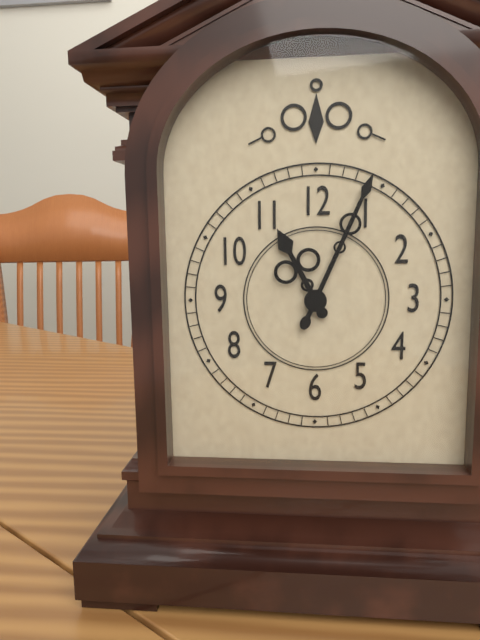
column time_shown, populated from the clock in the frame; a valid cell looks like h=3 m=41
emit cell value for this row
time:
h=11 m=4
